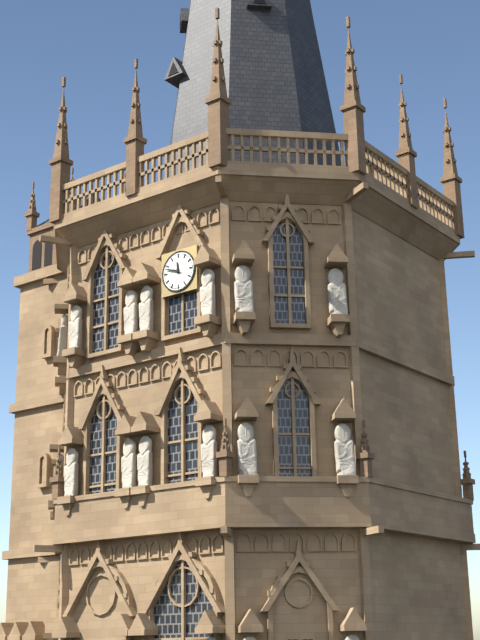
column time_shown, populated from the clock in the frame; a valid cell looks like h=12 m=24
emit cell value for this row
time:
h=11 m=48
